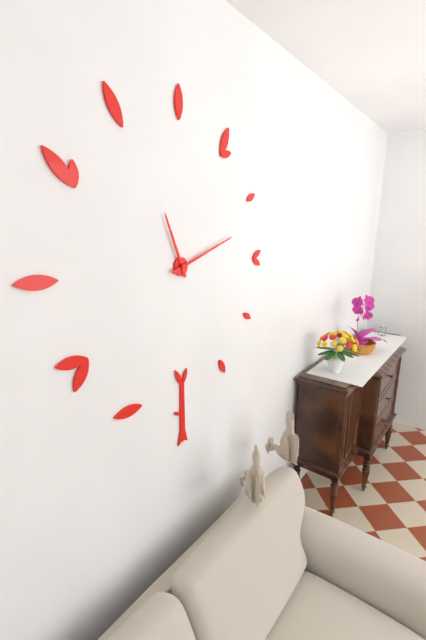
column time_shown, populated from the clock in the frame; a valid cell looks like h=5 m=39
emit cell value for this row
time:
h=11 m=12
